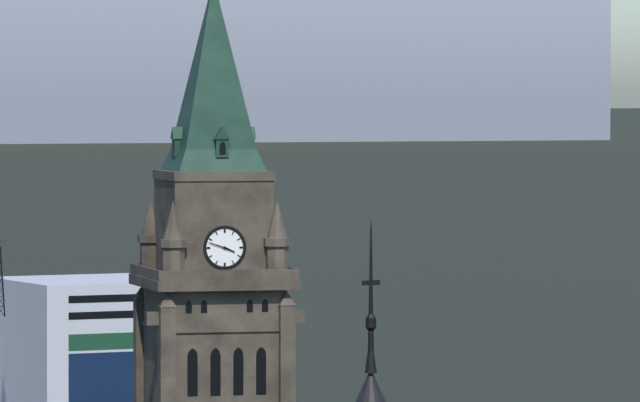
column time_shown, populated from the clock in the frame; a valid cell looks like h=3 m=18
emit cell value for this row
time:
h=3 m=48
